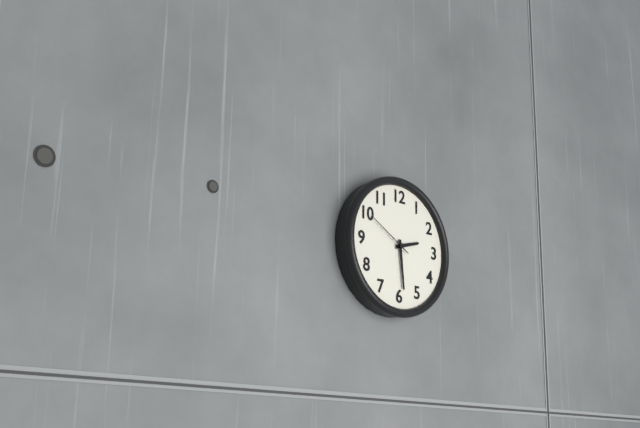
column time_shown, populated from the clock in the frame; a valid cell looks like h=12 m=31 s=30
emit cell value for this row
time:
h=2 m=29 s=50
